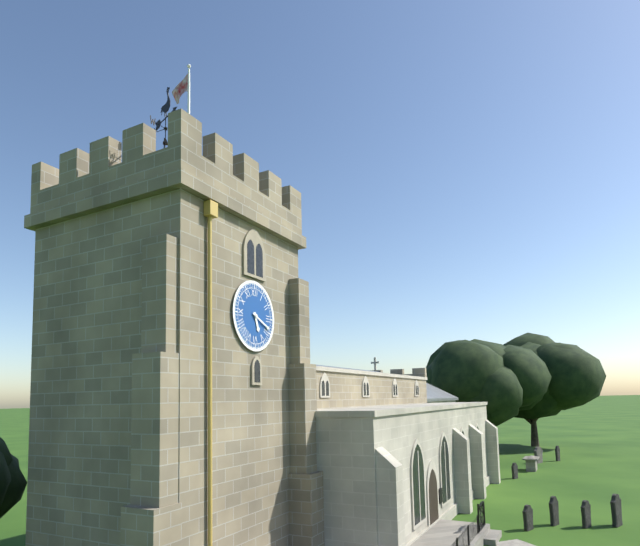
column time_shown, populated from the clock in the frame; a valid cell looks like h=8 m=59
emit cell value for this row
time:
h=5 m=19
